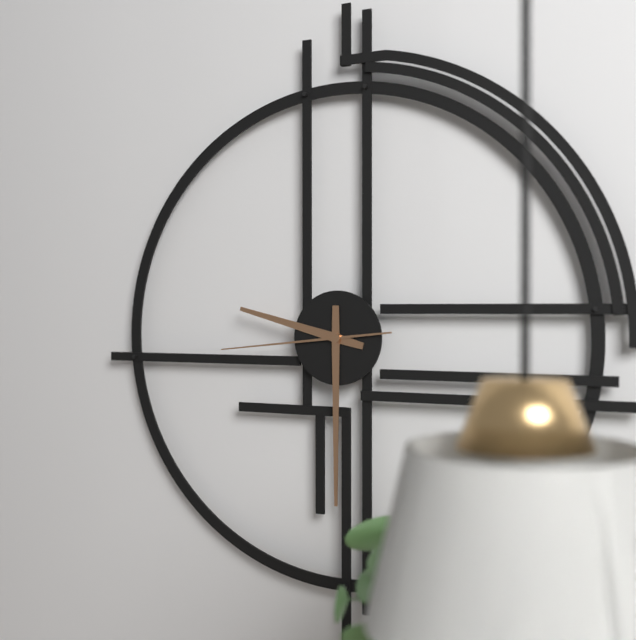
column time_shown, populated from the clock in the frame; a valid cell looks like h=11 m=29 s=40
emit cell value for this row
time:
h=9 m=30 s=44
